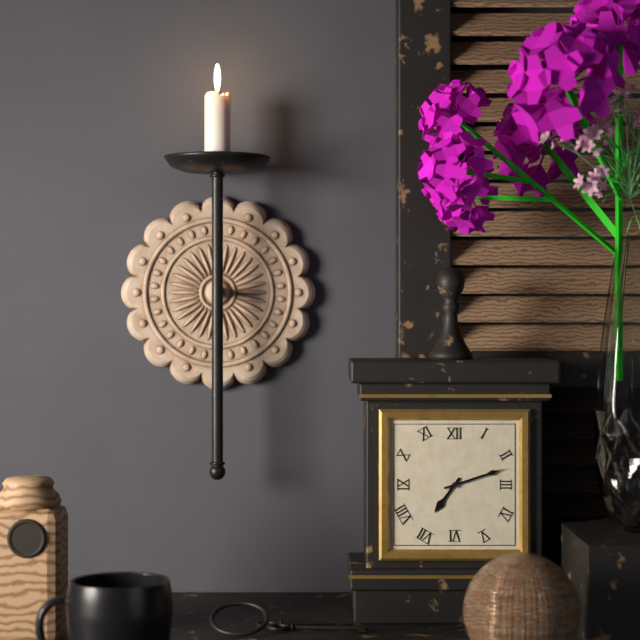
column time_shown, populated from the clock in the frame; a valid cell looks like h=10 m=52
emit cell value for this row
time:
h=7 m=12
